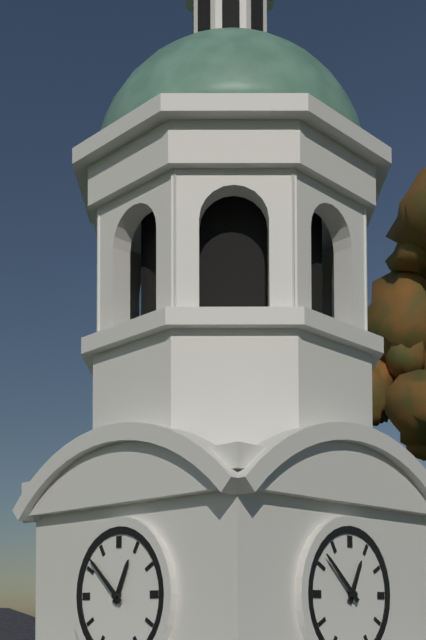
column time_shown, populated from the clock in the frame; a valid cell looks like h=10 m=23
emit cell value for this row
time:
h=12 m=52
